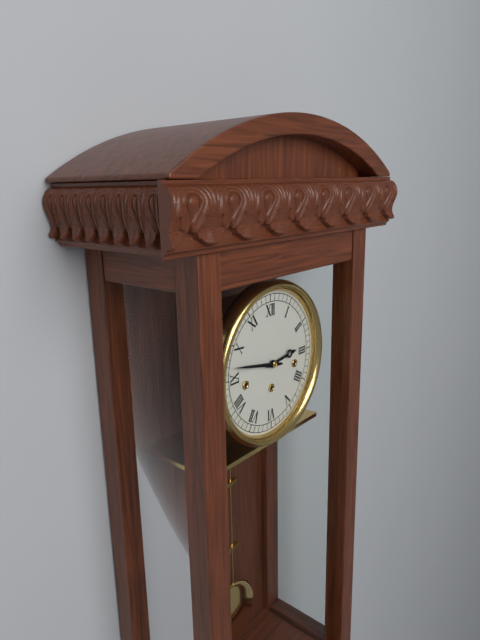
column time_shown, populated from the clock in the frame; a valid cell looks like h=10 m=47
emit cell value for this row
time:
h=2 m=47
